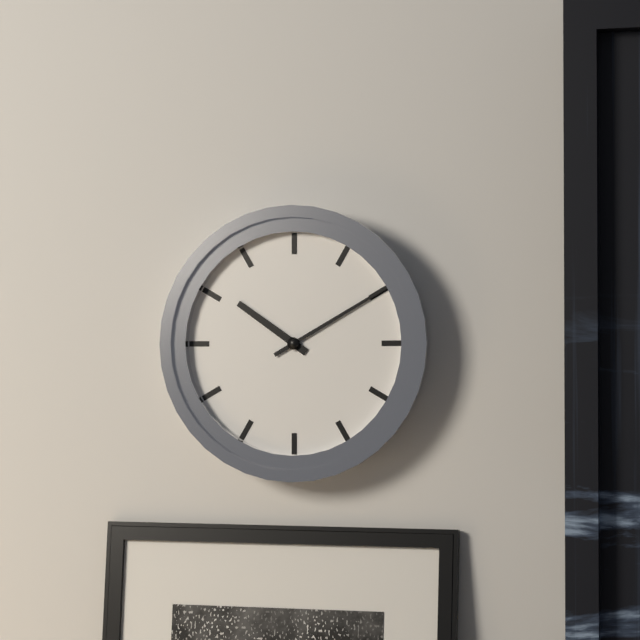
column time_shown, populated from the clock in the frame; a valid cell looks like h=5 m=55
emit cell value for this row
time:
h=10 m=10
